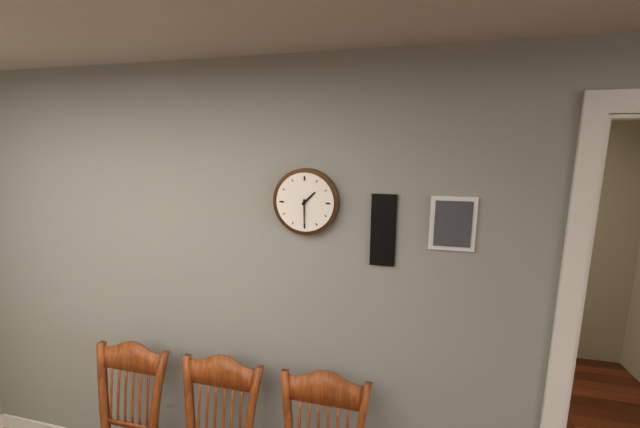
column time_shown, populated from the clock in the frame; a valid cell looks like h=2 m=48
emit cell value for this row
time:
h=1 m=30
